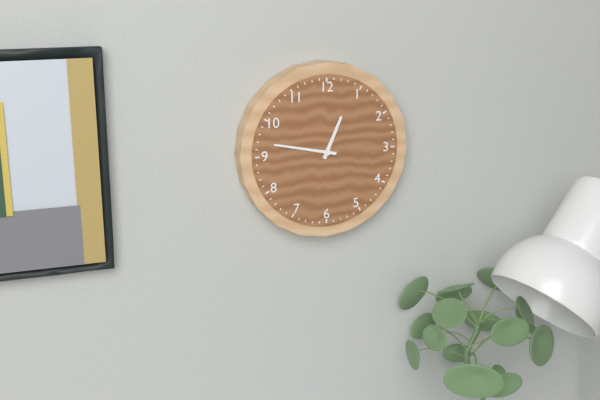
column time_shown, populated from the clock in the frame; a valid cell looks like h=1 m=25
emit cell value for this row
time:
h=12 m=47
